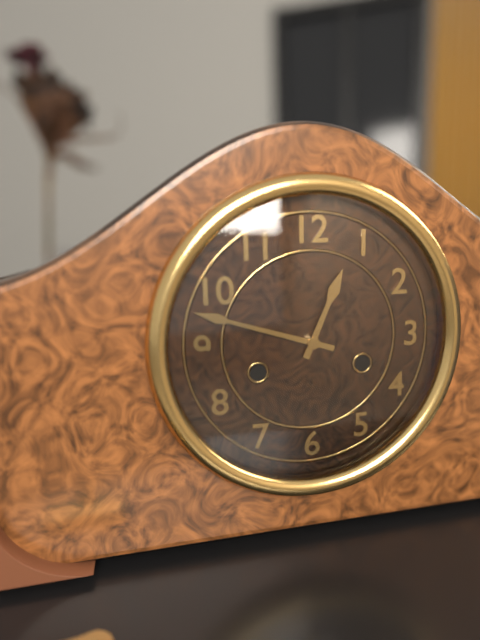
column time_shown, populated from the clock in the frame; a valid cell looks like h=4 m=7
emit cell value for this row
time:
h=12 m=48
